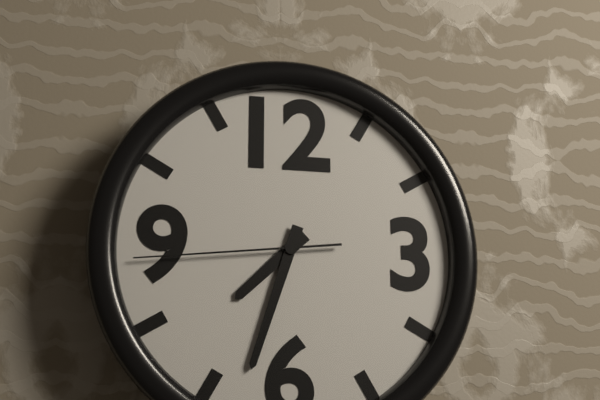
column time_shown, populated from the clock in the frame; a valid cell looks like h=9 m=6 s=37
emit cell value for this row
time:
h=7 m=33 s=44
